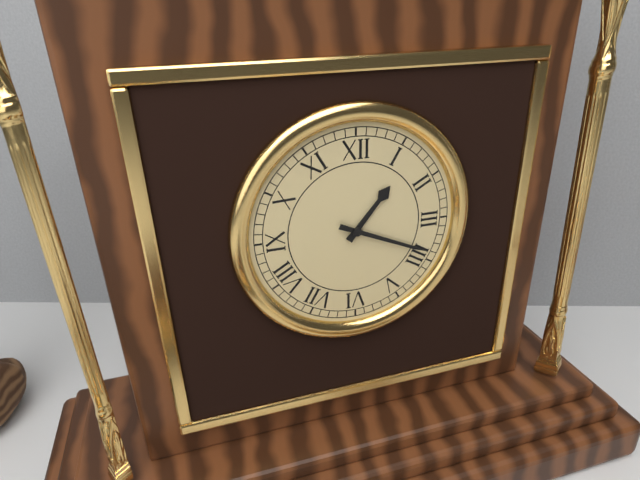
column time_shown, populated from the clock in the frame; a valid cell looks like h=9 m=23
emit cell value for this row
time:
h=1 m=19
